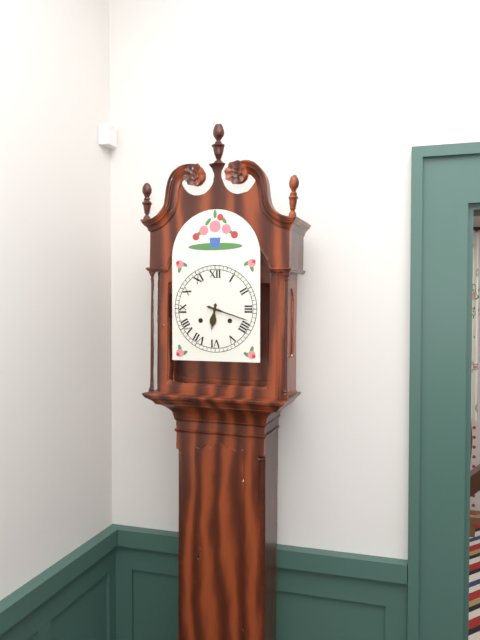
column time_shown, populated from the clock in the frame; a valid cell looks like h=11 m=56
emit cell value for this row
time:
h=6 m=18
